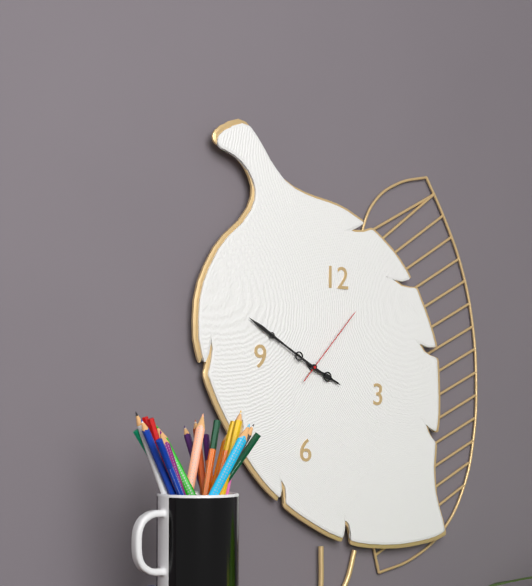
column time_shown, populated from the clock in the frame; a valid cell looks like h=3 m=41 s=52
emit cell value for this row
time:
h=3 m=50 s=7
